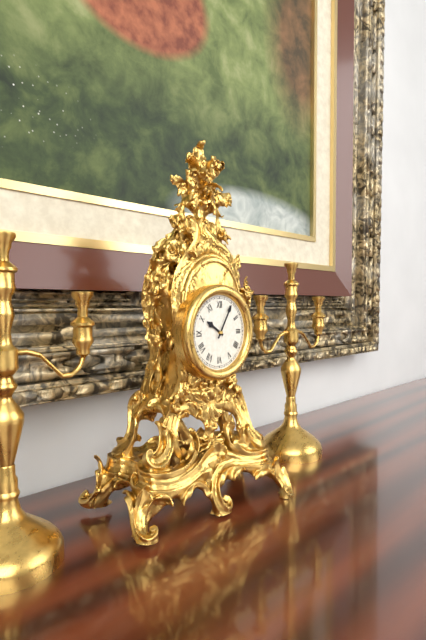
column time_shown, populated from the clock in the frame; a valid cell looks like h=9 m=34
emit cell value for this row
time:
h=10 m=5
